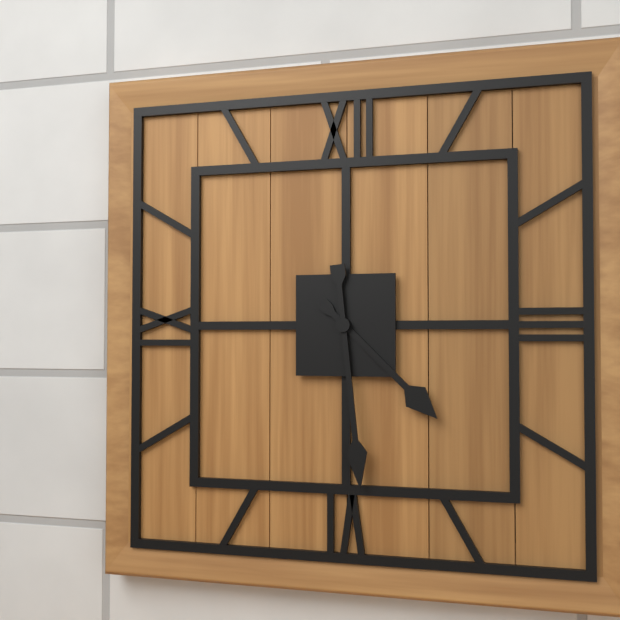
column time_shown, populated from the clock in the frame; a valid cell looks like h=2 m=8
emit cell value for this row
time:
h=4 m=29
